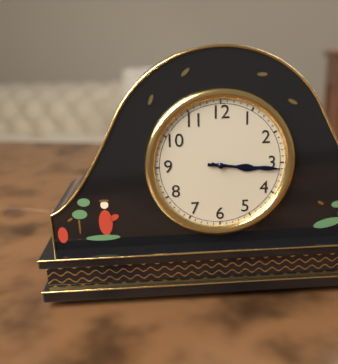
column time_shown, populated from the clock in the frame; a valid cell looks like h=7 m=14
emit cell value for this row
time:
h=3 m=16
